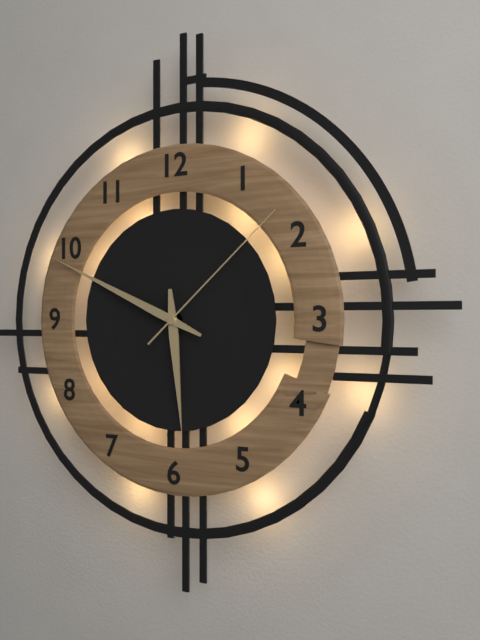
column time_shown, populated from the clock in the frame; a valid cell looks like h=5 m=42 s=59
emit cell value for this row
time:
h=5 m=49 s=8
